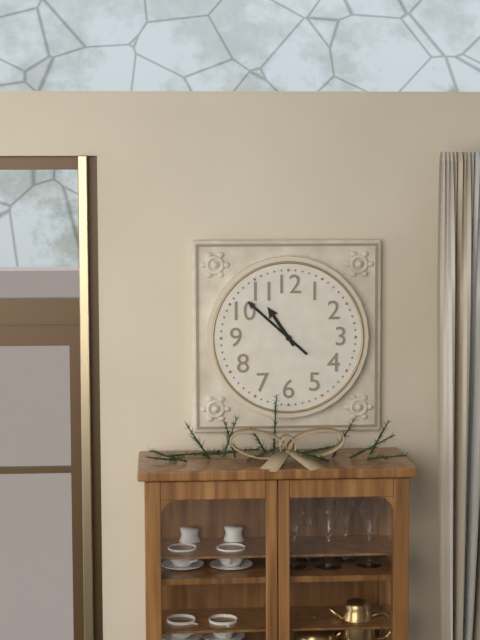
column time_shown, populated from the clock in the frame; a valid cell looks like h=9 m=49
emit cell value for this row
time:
h=10 m=52
